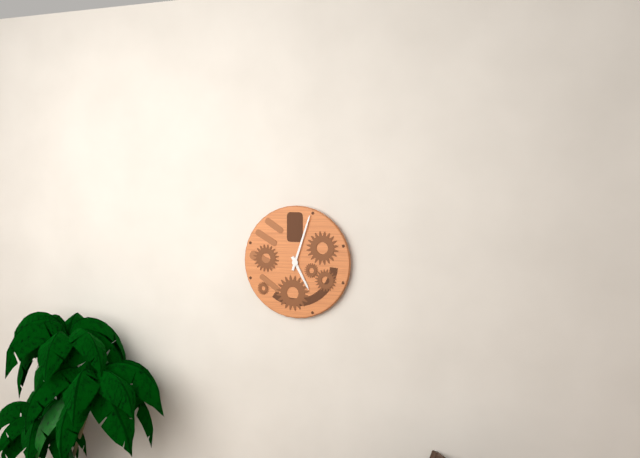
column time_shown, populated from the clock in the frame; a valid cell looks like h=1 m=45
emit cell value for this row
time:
h=5 m=3
